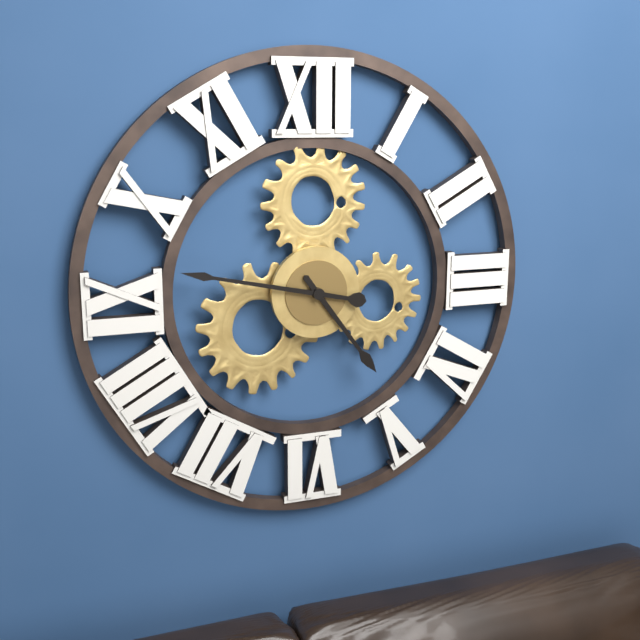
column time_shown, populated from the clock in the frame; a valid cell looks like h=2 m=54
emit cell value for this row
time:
h=4 m=47
